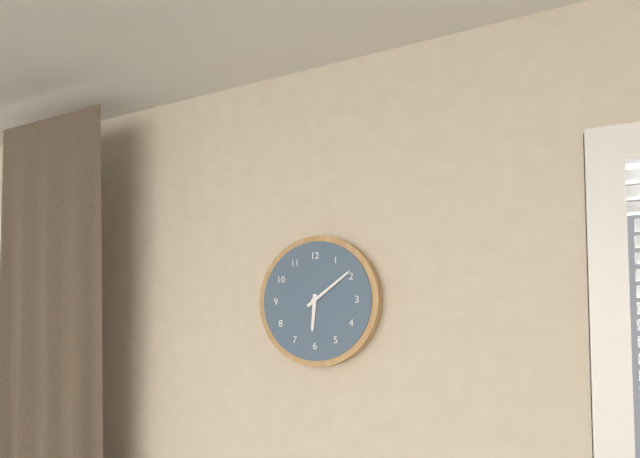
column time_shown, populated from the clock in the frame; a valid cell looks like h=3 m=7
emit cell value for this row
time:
h=6 m=9
